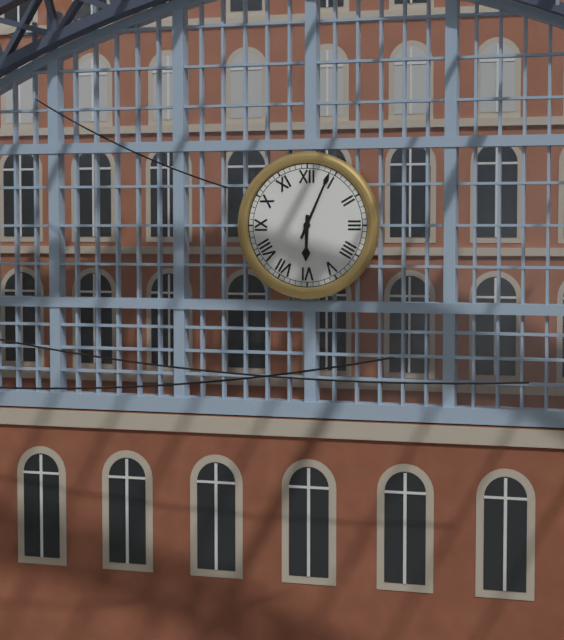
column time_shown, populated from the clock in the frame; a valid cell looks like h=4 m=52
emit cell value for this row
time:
h=6 m=4
